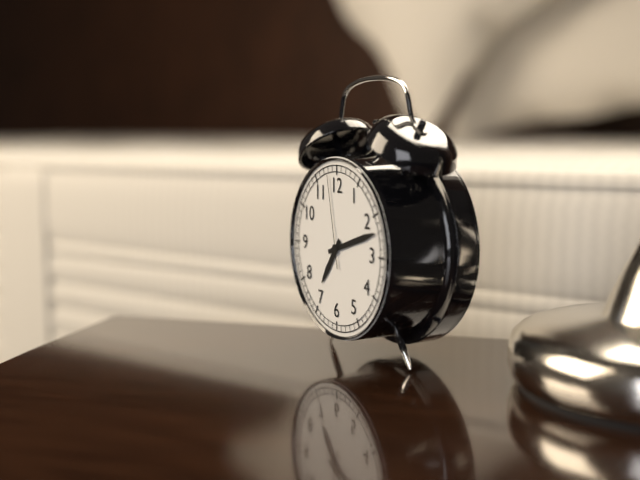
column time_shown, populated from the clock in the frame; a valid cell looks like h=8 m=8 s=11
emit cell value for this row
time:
h=7 m=12 s=58
